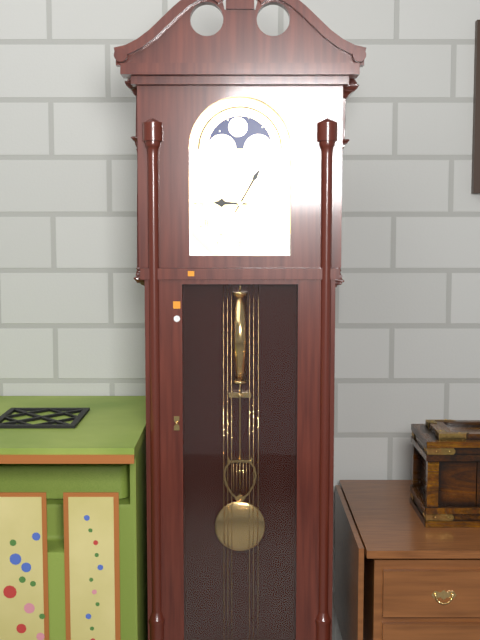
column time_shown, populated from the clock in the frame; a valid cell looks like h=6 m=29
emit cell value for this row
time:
h=9 m=5
